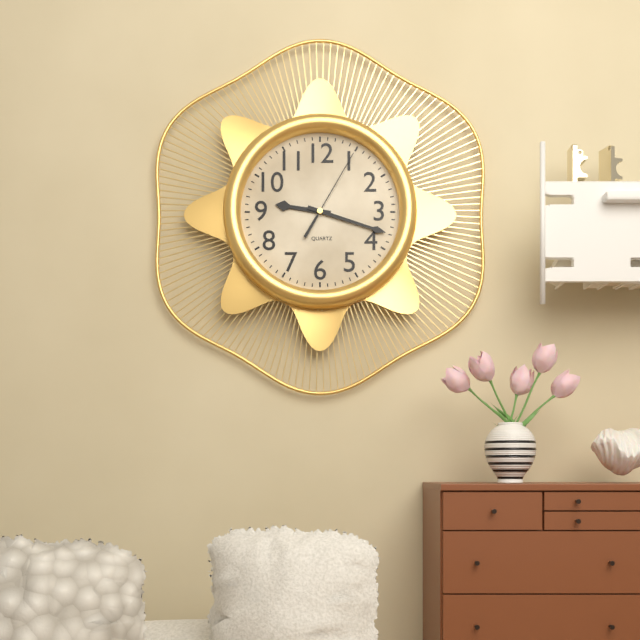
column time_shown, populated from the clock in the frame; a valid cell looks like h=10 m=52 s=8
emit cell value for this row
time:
h=9 m=18 s=5
